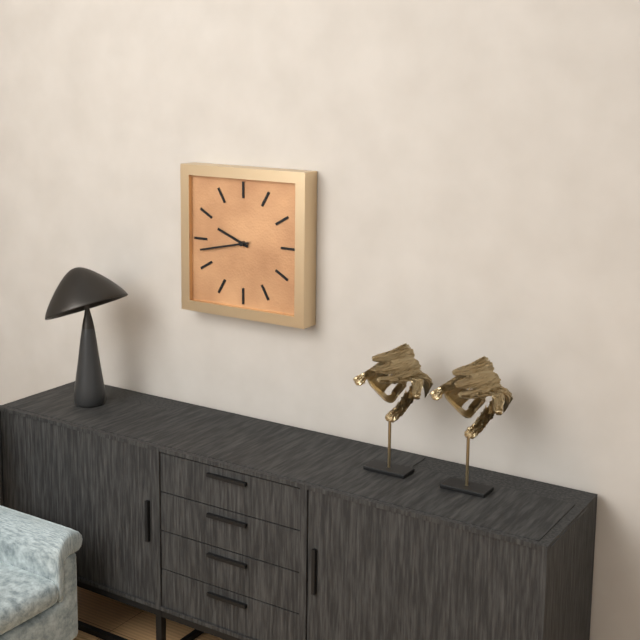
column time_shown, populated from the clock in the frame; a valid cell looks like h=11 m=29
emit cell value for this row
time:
h=9 m=43
